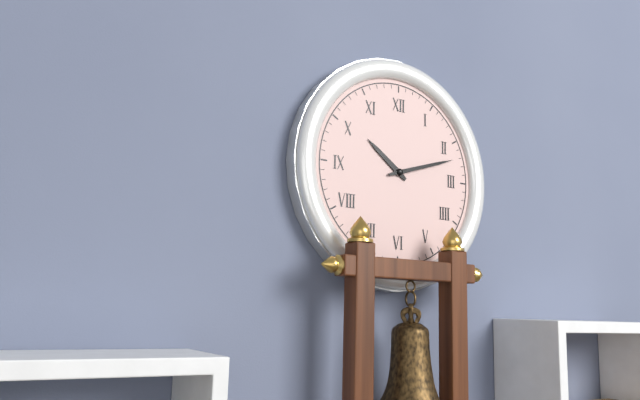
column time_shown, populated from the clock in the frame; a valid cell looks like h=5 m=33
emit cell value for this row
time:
h=10 m=12
